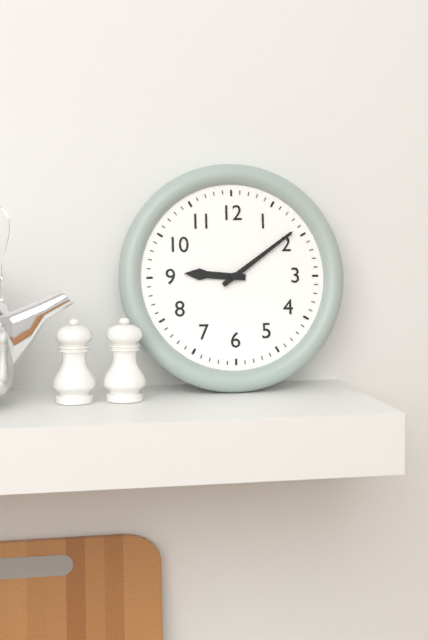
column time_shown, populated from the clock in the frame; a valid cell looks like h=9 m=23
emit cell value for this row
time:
h=9 m=9
